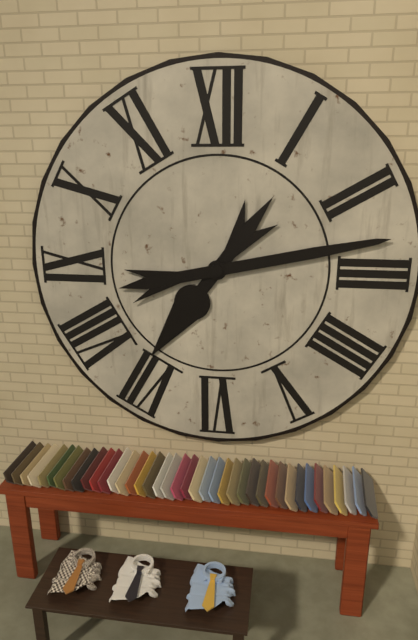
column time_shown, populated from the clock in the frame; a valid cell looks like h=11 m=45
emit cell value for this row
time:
h=7 m=13
